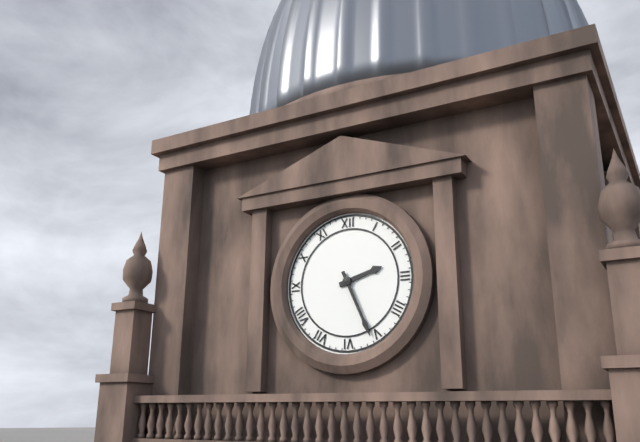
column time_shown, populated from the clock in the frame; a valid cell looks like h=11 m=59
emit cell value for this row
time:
h=2 m=26
